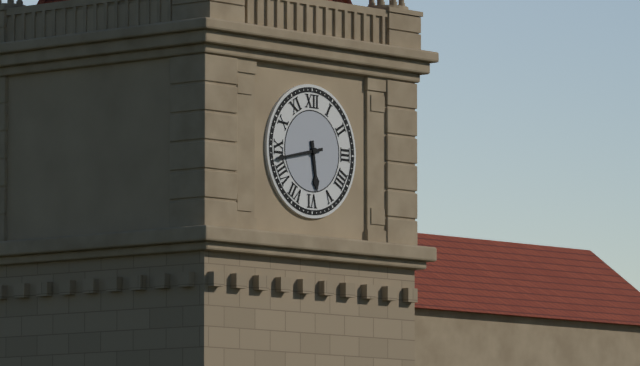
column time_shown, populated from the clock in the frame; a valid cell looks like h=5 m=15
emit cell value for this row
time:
h=5 m=43
